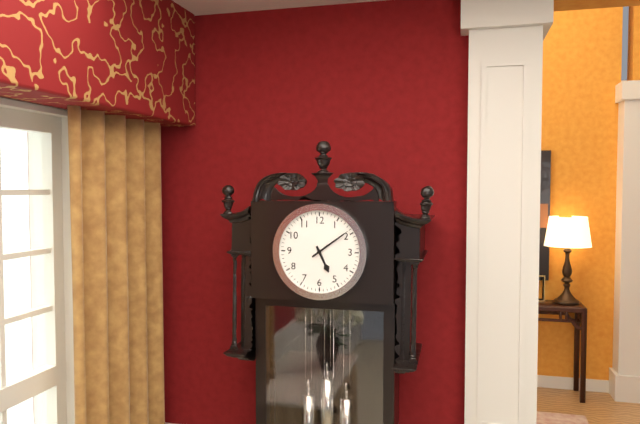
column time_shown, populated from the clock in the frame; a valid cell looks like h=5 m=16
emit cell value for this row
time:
h=5 m=9
